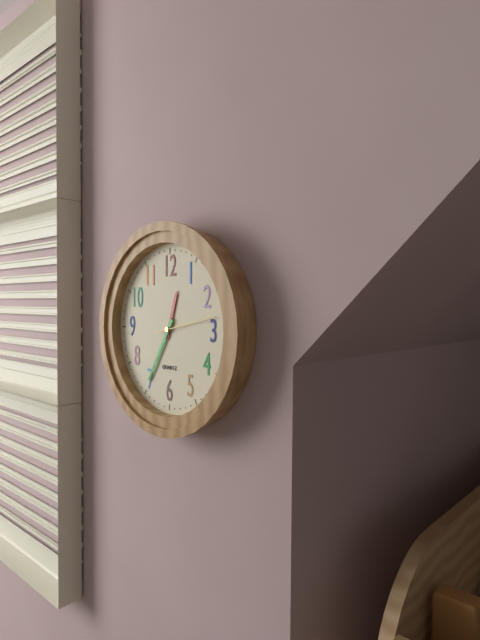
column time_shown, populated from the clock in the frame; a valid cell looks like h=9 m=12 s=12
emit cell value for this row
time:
h=12 m=35 s=13
